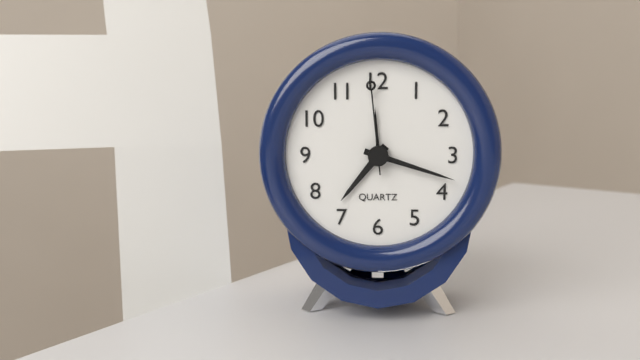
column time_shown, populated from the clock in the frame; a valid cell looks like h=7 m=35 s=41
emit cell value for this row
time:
h=7 m=18 s=59
